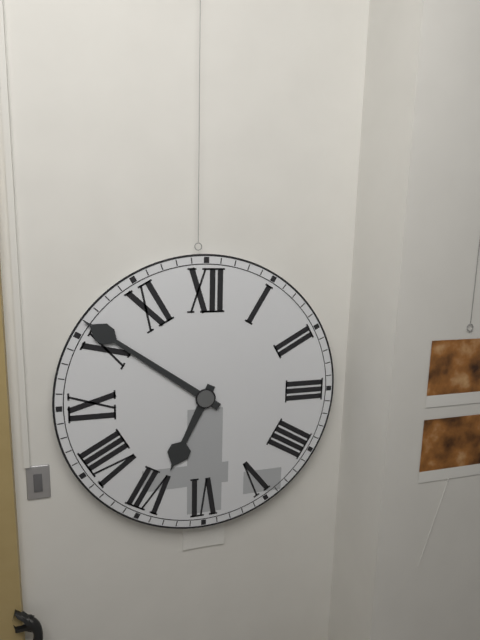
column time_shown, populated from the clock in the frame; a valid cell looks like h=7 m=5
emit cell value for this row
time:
h=6 m=51
